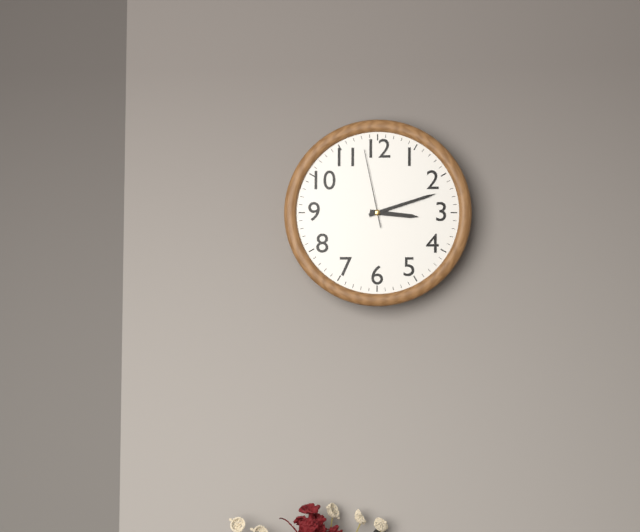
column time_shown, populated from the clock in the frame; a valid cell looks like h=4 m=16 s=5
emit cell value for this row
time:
h=3 m=12 s=58
